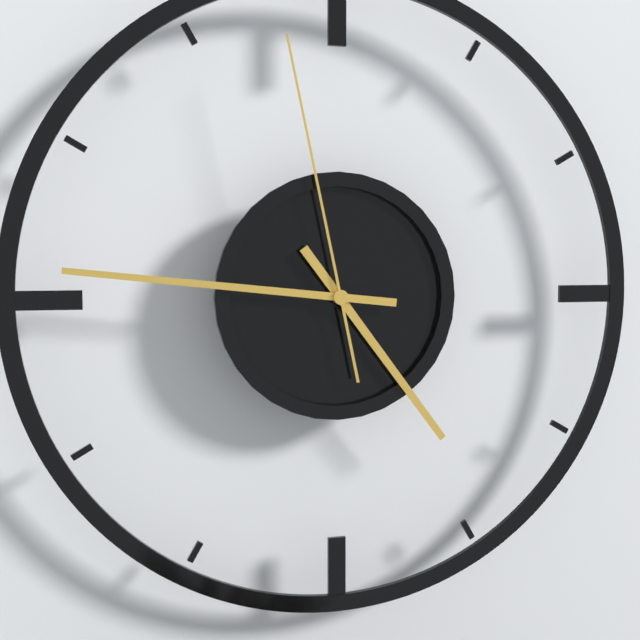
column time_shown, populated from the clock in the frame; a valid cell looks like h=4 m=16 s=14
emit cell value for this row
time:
h=4 m=46 s=58
